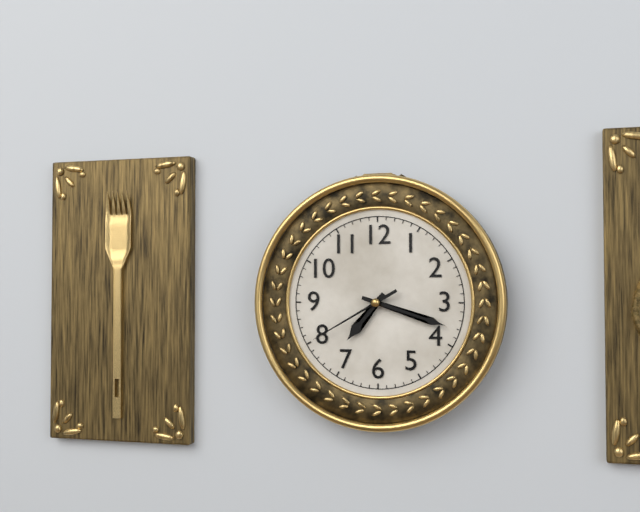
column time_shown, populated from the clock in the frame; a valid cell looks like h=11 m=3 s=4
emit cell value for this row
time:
h=7 m=18 s=40
